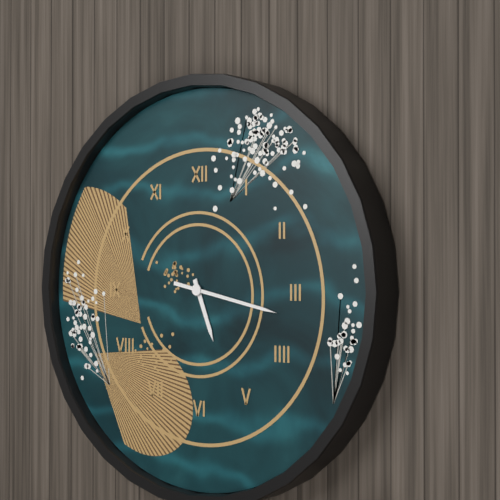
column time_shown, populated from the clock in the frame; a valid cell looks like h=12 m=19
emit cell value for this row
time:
h=5 m=17
